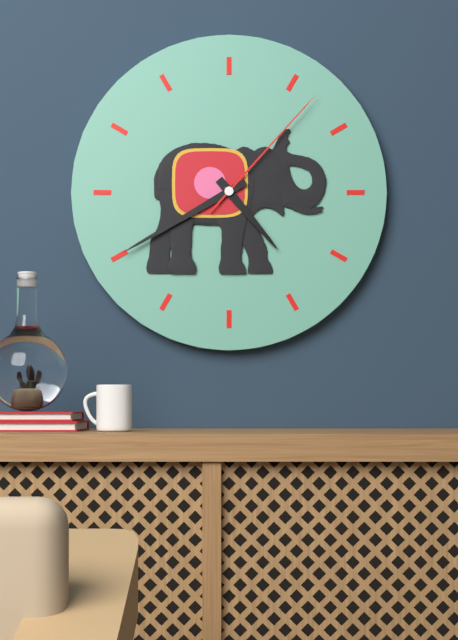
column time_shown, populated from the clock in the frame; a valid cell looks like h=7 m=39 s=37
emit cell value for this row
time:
h=4 m=40 s=7
